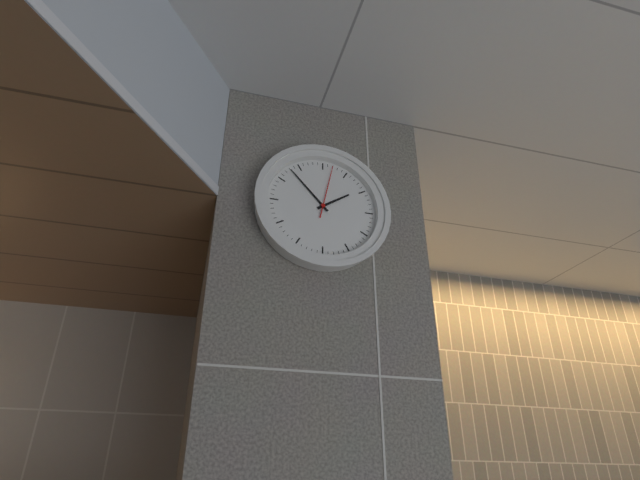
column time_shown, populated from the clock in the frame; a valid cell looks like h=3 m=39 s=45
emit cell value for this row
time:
h=1 m=53 s=2
